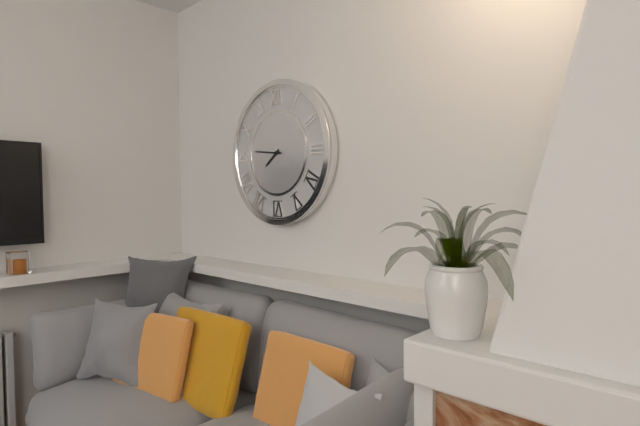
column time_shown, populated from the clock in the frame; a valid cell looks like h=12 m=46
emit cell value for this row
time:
h=7 m=46
